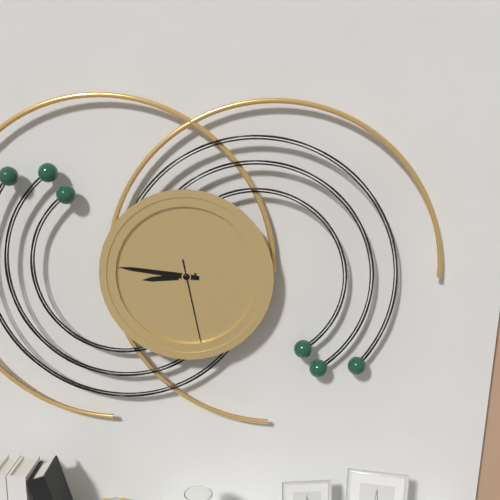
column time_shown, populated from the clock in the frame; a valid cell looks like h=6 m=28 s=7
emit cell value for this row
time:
h=8 m=46 s=28
